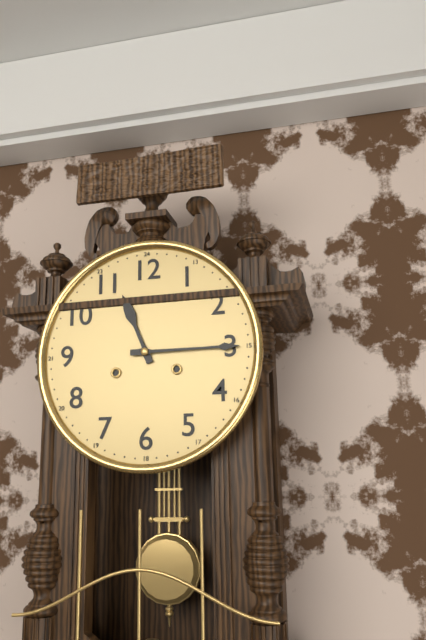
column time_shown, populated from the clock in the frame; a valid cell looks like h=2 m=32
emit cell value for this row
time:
h=11 m=15
